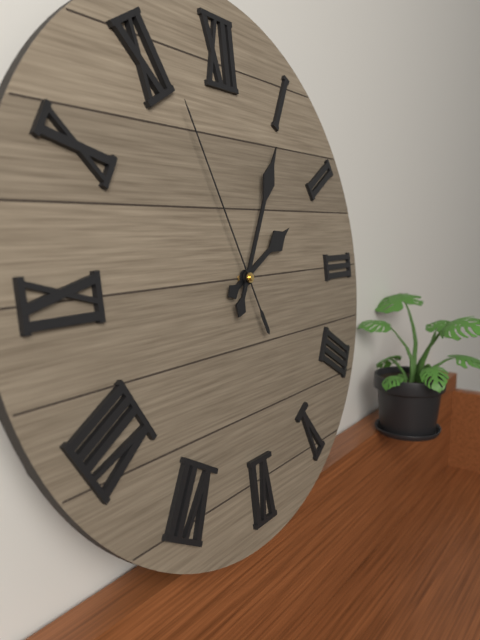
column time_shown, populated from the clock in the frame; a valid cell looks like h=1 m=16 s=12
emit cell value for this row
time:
h=2 m=5 s=56
